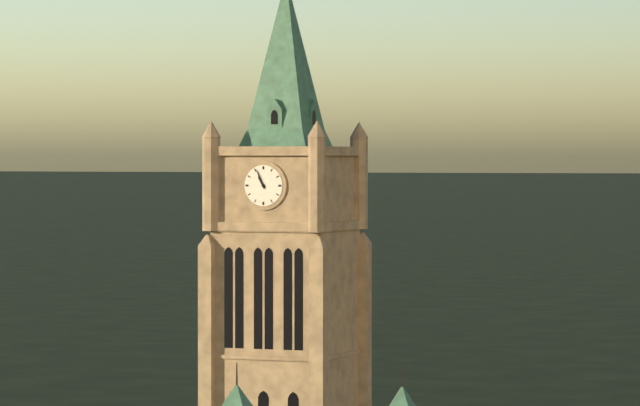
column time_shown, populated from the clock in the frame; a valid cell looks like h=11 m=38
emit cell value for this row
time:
h=10 m=56
